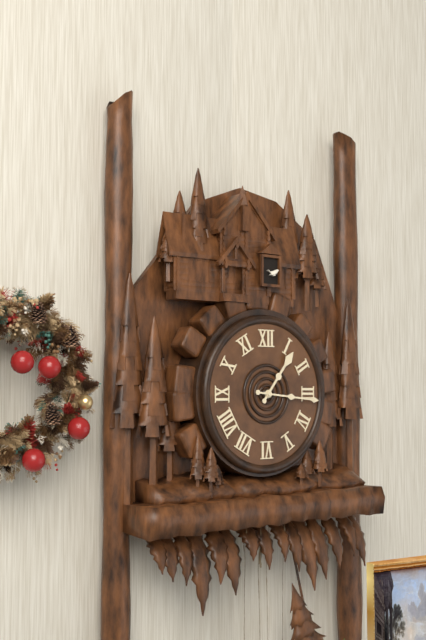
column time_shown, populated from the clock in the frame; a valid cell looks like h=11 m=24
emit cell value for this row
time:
h=1 m=16
